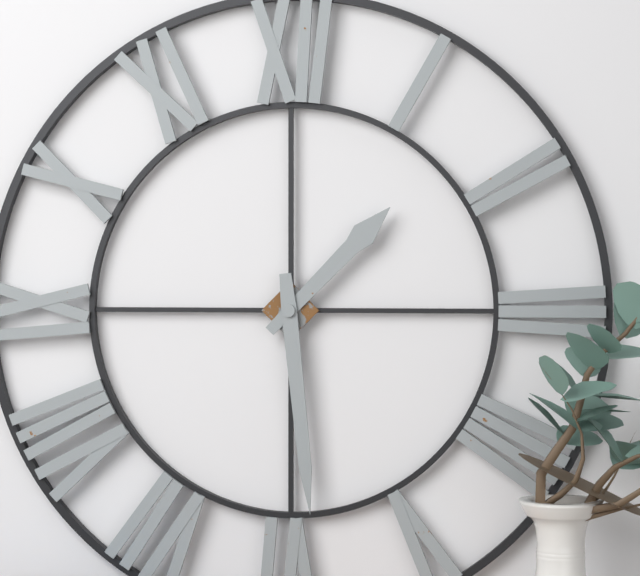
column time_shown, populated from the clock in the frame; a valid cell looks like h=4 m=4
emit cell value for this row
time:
h=1 m=29
